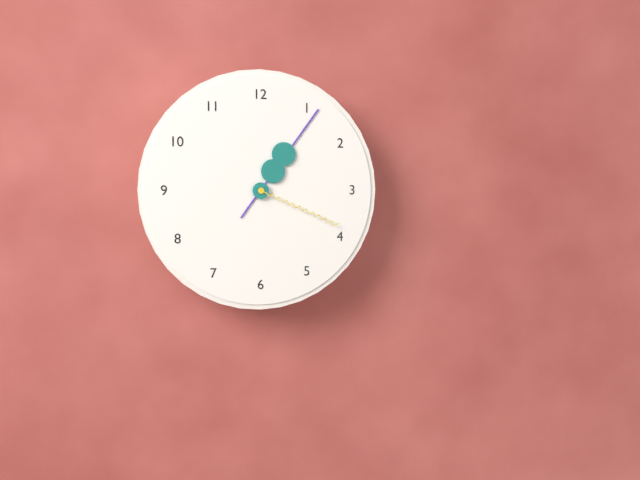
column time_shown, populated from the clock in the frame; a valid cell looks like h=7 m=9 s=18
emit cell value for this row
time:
h=1 m=6 s=19
